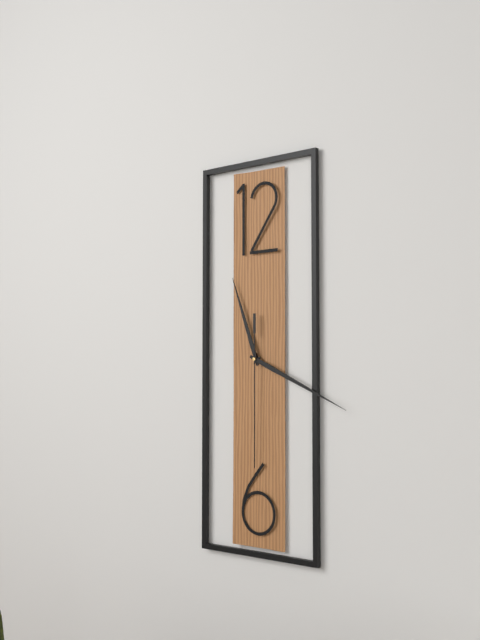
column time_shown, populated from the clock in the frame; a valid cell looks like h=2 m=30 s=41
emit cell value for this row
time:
h=11 m=19 s=30
